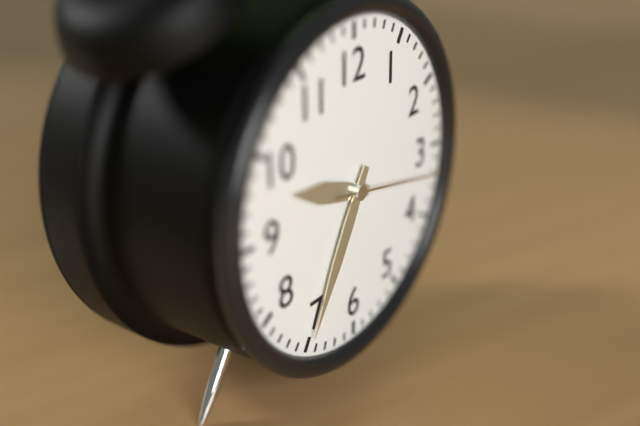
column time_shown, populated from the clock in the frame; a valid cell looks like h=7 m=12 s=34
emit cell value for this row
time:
h=9 m=35 s=17
